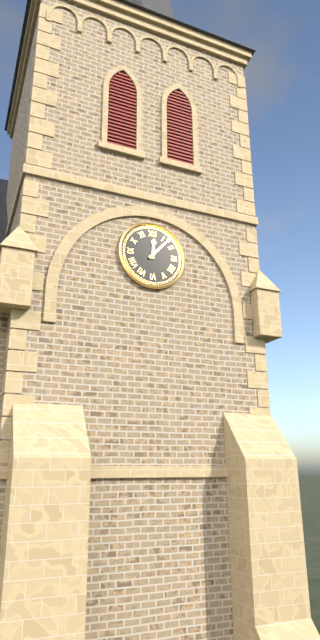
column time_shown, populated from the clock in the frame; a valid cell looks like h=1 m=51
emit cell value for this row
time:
h=12 m=7
